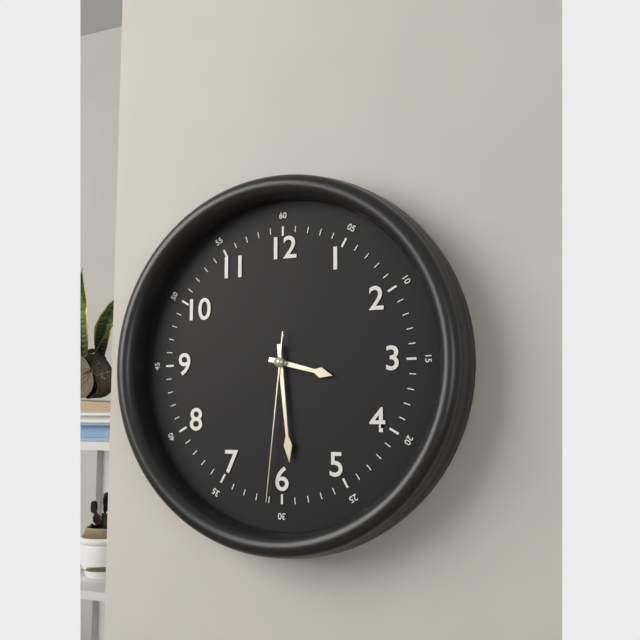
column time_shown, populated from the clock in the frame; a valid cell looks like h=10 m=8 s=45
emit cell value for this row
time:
h=3 m=29 s=31
